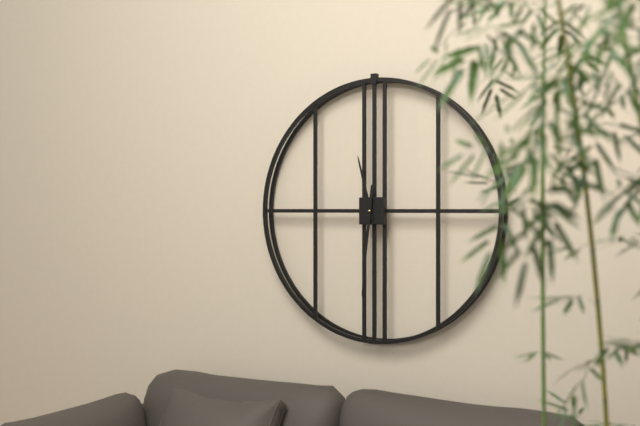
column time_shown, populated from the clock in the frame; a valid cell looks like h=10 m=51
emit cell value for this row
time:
h=11 m=31
